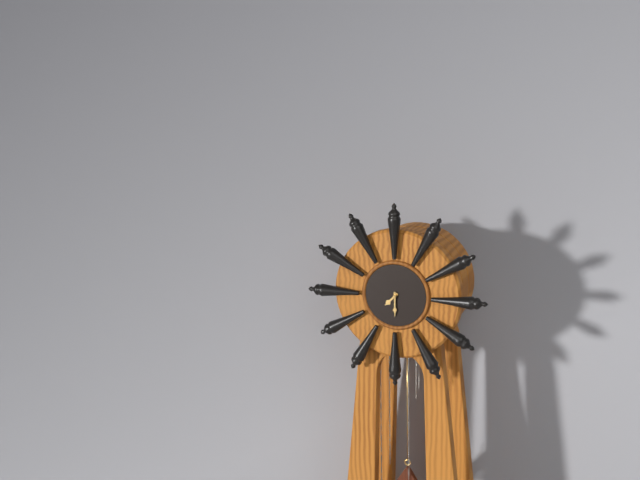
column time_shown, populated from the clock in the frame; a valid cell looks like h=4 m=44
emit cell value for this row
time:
h=7 m=30
